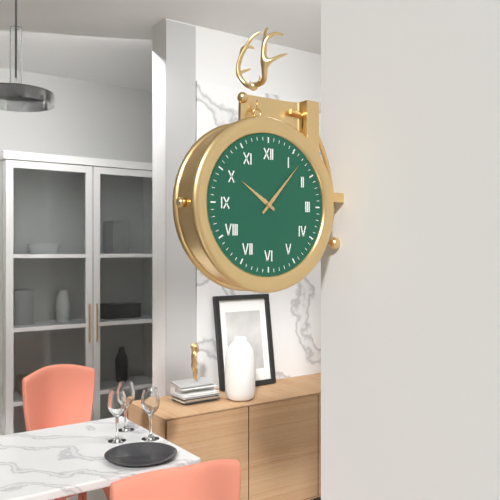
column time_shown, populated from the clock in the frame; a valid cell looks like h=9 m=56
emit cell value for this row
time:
h=10 m=7
